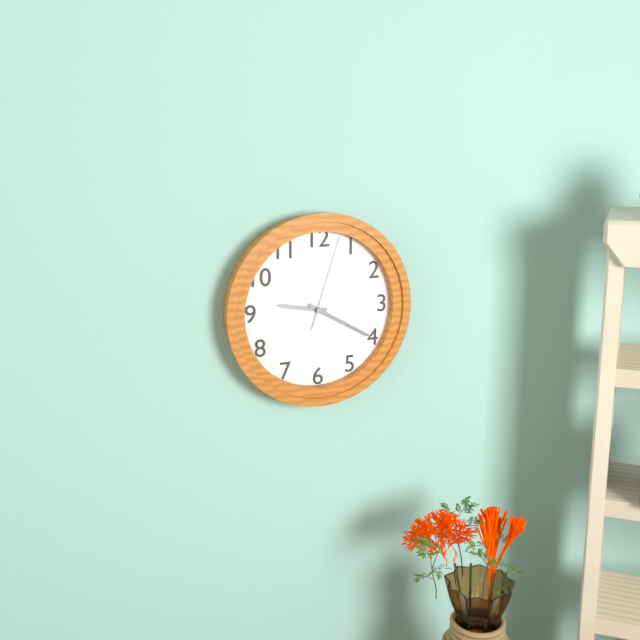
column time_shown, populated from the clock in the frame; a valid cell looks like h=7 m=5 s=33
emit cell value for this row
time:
h=9 m=20 s=3
